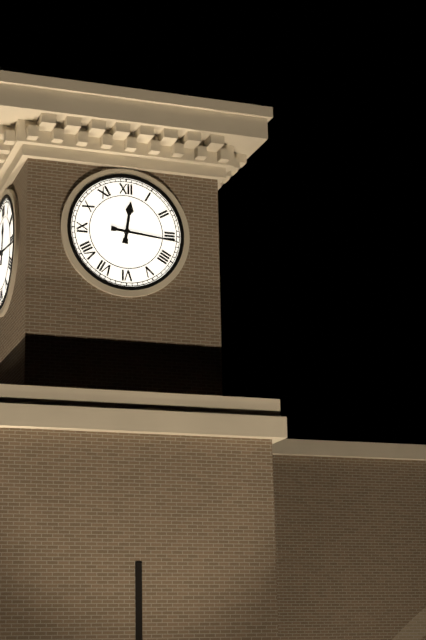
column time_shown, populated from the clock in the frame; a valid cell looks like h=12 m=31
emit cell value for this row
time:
h=12 m=16
